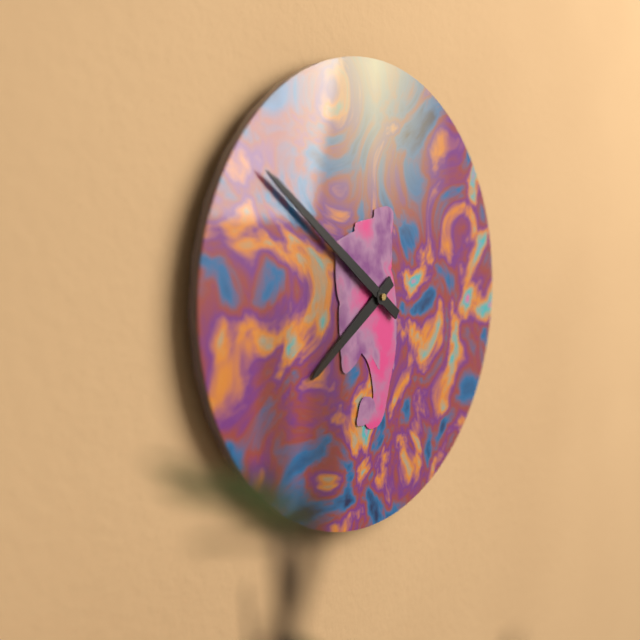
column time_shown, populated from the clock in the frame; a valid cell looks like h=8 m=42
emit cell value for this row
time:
h=7 m=51
